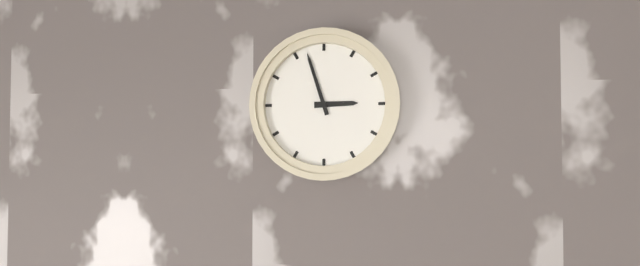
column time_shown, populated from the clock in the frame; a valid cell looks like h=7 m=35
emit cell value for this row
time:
h=2 m=57
